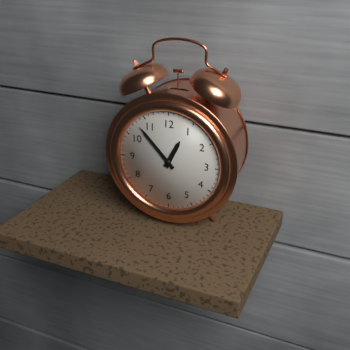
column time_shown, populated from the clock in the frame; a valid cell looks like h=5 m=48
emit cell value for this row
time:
h=12 m=53
